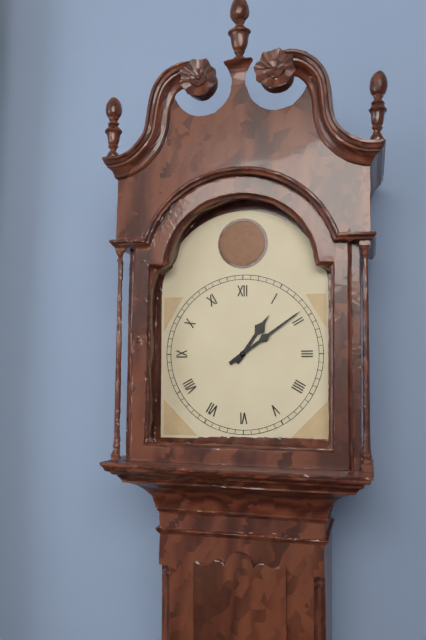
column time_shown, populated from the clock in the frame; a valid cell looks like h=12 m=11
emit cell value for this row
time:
h=1 m=9
